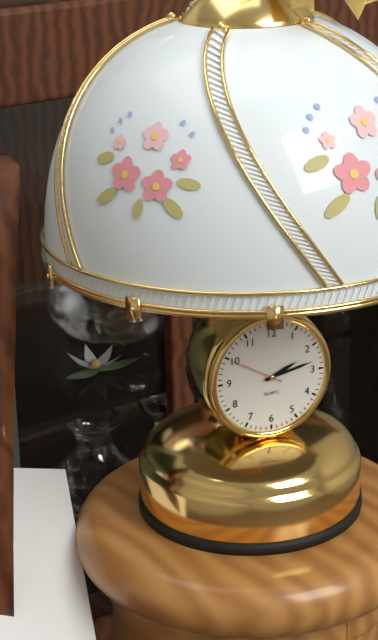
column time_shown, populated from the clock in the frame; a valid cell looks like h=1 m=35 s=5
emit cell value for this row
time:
h=2 m=13 s=50
